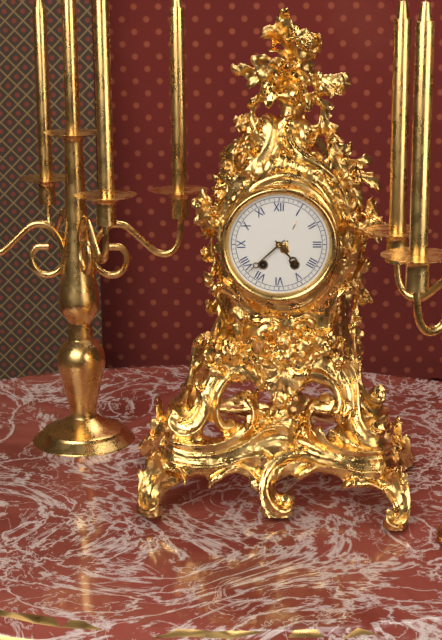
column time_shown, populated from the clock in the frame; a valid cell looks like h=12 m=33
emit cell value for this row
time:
h=4 m=38
